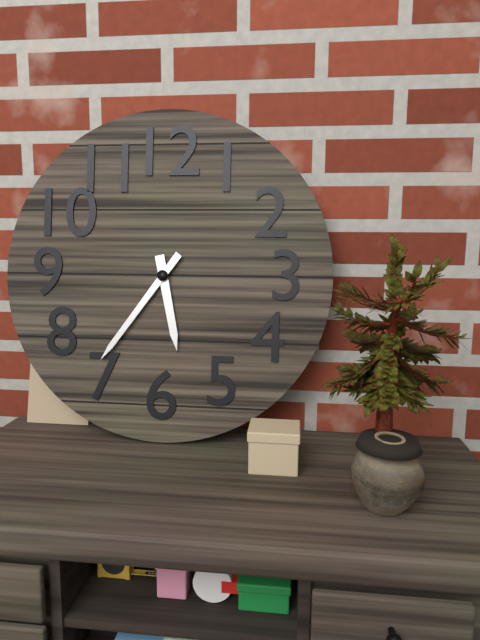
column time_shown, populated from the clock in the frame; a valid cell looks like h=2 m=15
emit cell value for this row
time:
h=5 m=36
